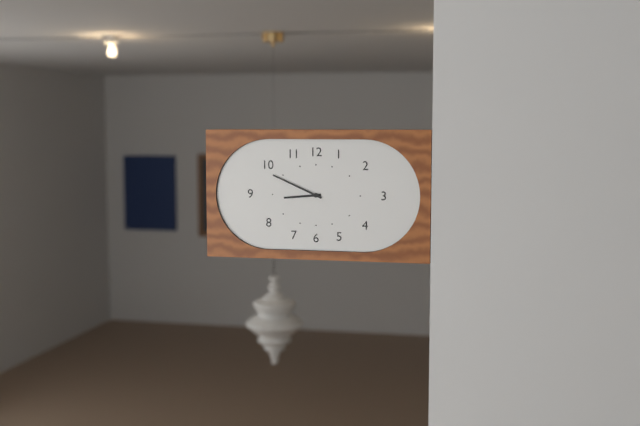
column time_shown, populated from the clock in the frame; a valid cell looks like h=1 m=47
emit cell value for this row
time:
h=8 m=49
